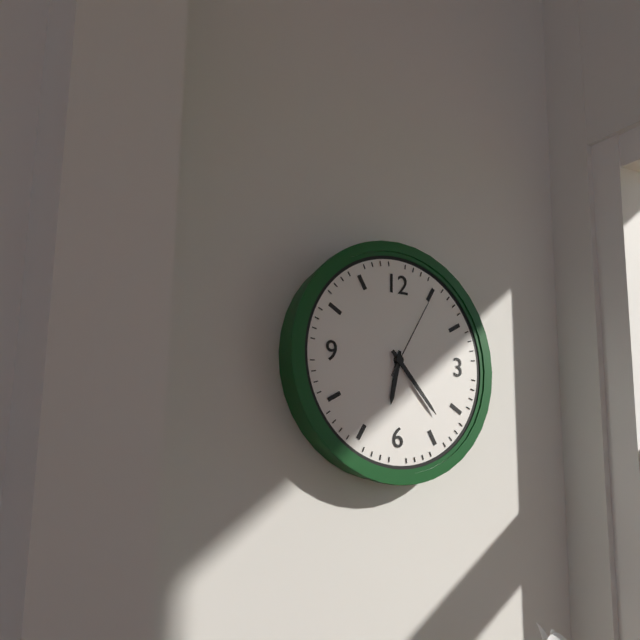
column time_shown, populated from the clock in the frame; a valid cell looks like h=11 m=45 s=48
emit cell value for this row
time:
h=6 m=23 s=5
